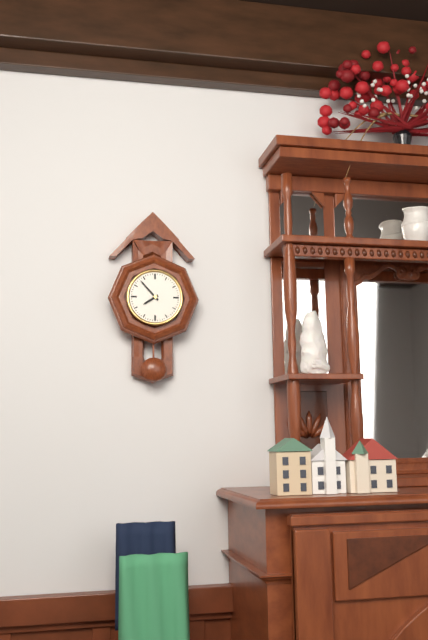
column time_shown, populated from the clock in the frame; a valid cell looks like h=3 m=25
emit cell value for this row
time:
h=7 m=53
